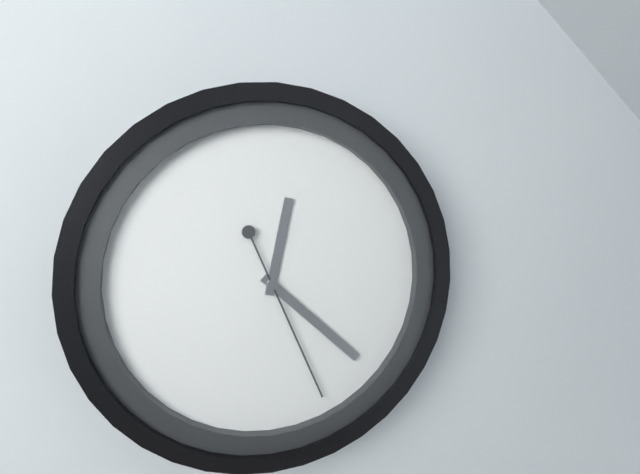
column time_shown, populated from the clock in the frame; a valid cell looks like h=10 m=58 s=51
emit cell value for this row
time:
h=12 m=22 s=26
